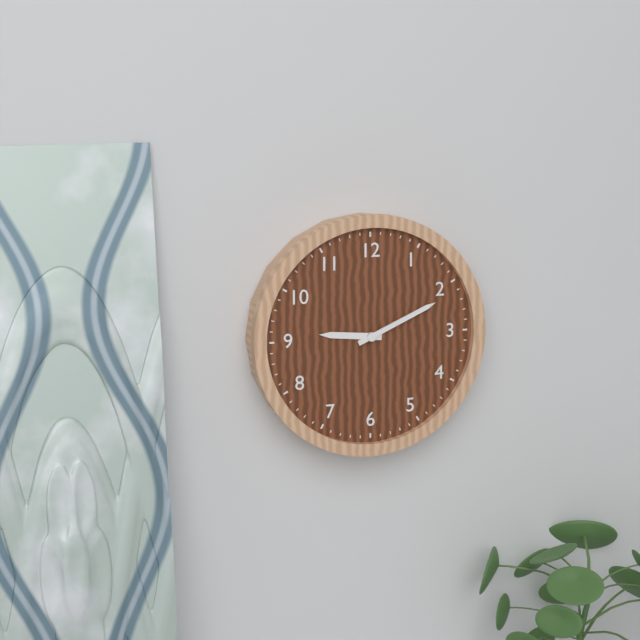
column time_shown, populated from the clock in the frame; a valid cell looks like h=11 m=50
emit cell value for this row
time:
h=9 m=11
